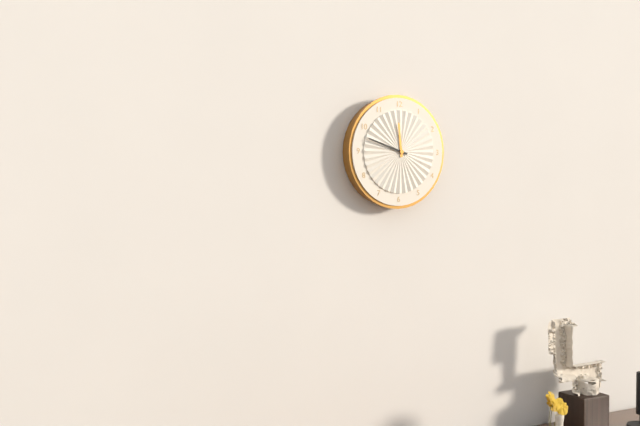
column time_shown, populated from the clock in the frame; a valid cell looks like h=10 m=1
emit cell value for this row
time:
h=11 m=48
